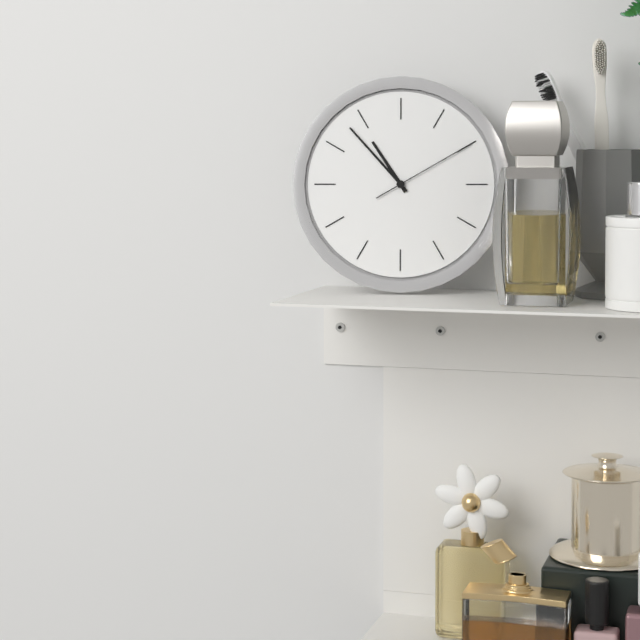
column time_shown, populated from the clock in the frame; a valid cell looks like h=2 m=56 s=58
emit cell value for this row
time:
h=10 m=53 s=10
